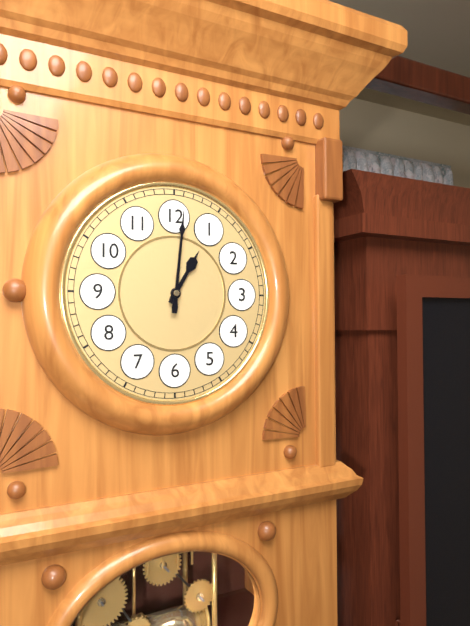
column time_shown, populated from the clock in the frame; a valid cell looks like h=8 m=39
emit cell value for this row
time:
h=1 m=1
